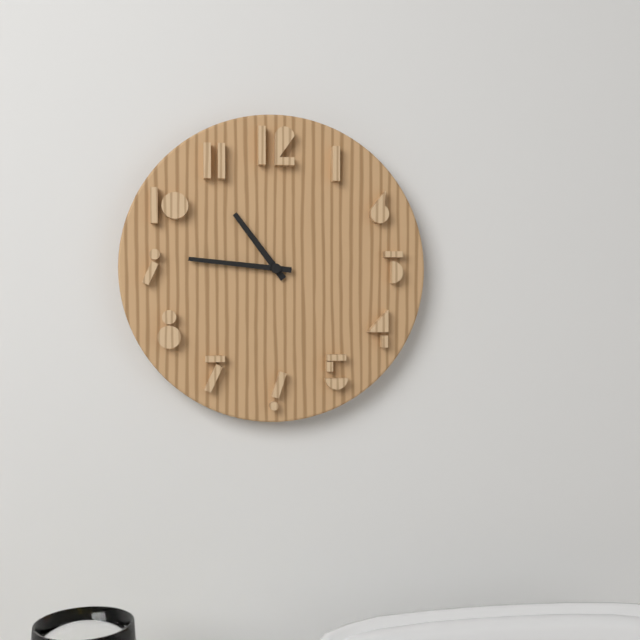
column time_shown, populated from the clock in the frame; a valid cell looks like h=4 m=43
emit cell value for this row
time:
h=10 m=46
